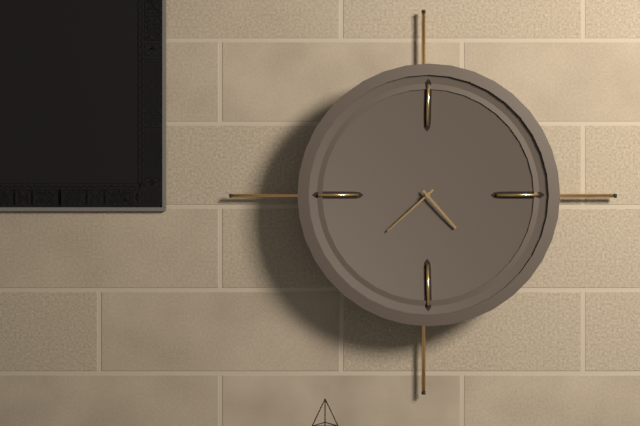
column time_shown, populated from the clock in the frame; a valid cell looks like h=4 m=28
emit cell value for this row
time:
h=4 m=38
